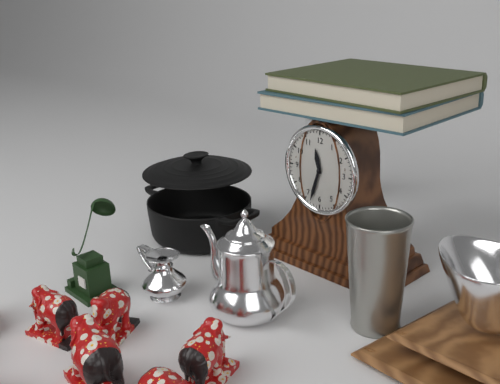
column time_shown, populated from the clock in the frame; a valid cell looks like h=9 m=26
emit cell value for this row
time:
h=11 m=33
